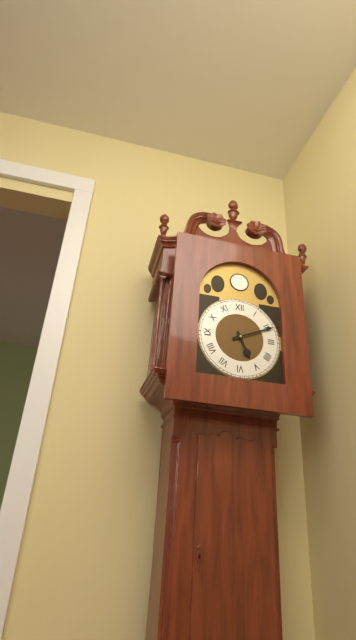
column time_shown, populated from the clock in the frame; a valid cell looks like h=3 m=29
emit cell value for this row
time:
h=5 m=11
